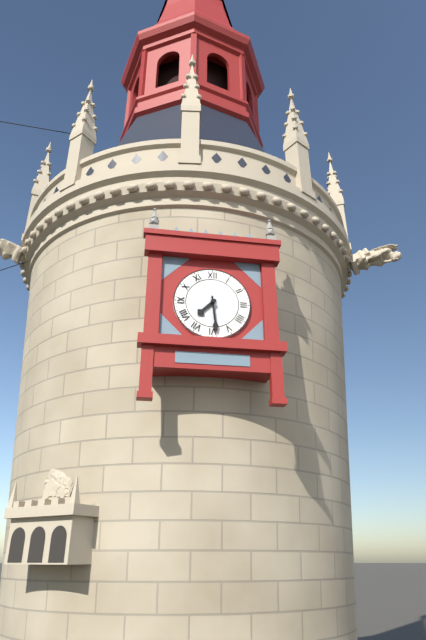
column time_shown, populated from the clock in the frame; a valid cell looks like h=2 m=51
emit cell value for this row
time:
h=7 m=29
